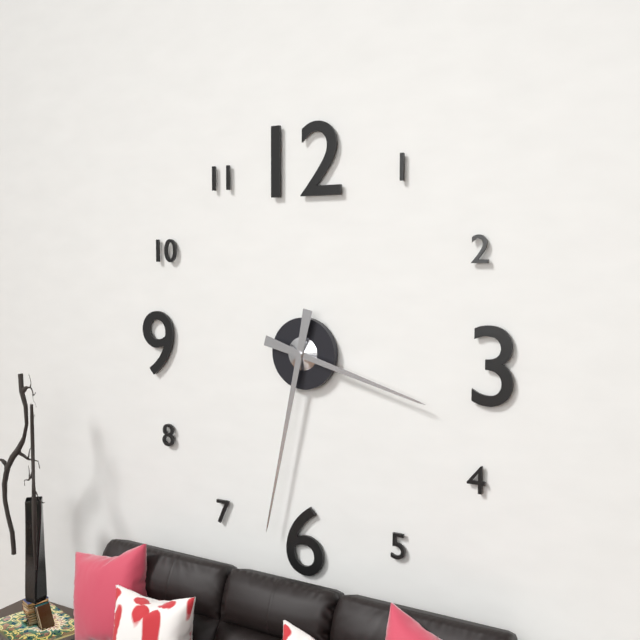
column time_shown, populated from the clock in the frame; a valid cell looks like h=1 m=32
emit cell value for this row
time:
h=3 m=32
